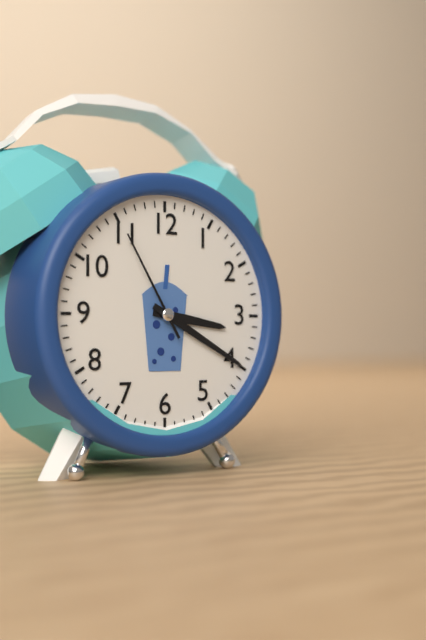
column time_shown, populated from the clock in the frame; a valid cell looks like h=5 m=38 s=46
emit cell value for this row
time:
h=3 m=20 s=55
